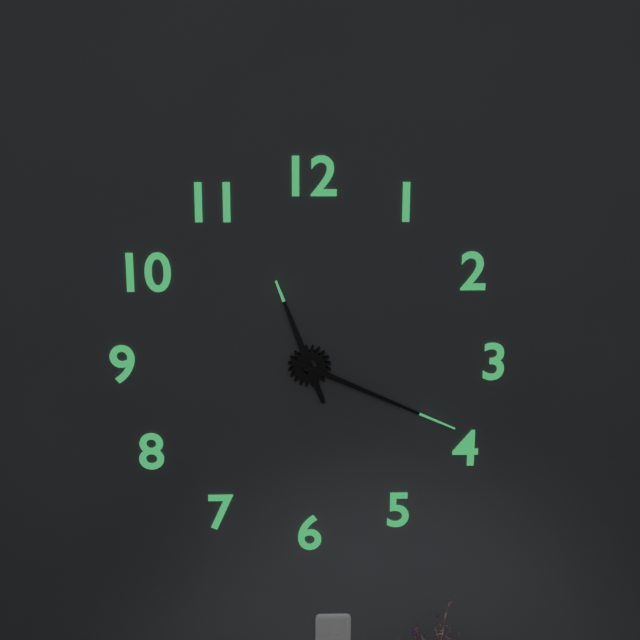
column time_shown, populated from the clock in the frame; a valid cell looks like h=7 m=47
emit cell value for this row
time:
h=11 m=19
